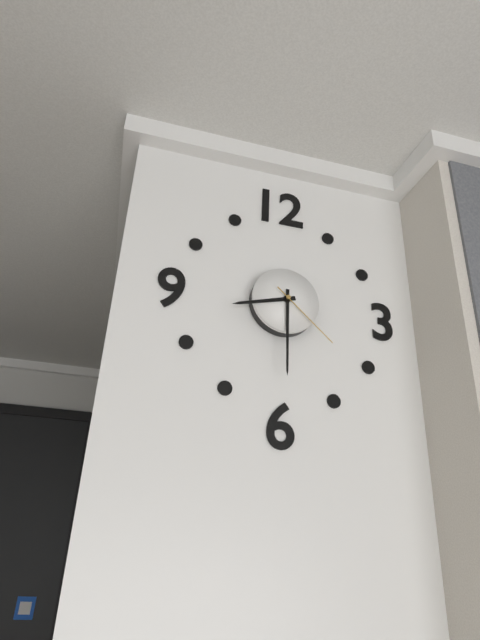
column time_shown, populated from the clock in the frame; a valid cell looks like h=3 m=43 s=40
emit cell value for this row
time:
h=8 m=30 s=22
